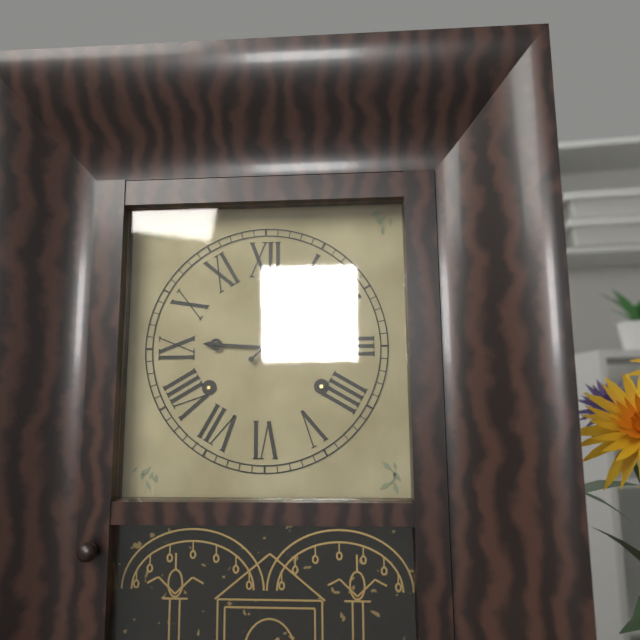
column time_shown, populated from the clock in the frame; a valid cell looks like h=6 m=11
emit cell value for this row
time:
h=9 m=8
